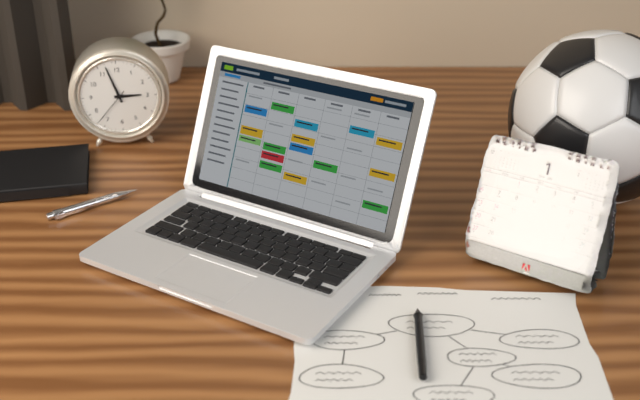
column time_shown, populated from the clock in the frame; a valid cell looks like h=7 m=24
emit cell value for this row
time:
h=2 m=57
